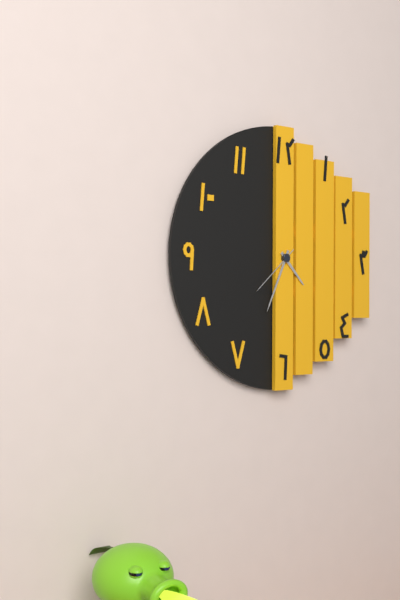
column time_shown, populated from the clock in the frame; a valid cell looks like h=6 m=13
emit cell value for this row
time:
h=4 m=34
